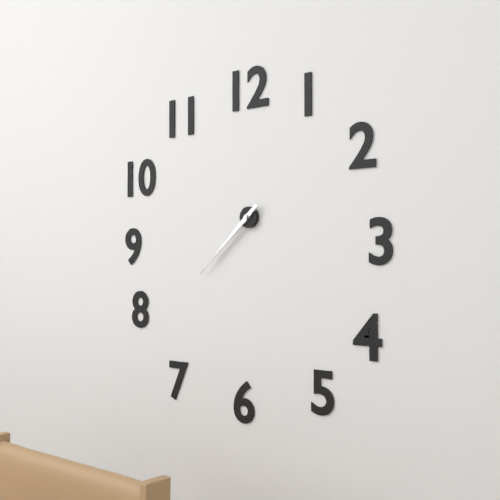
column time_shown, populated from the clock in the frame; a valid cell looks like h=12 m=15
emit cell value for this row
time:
h=7 m=38
